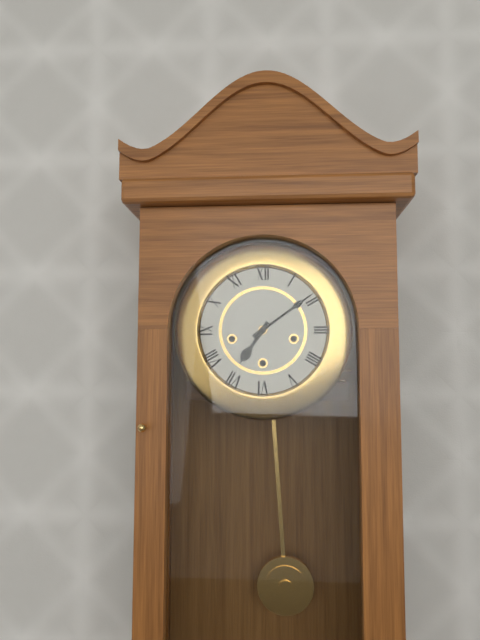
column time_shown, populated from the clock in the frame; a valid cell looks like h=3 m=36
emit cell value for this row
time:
h=7 m=9
